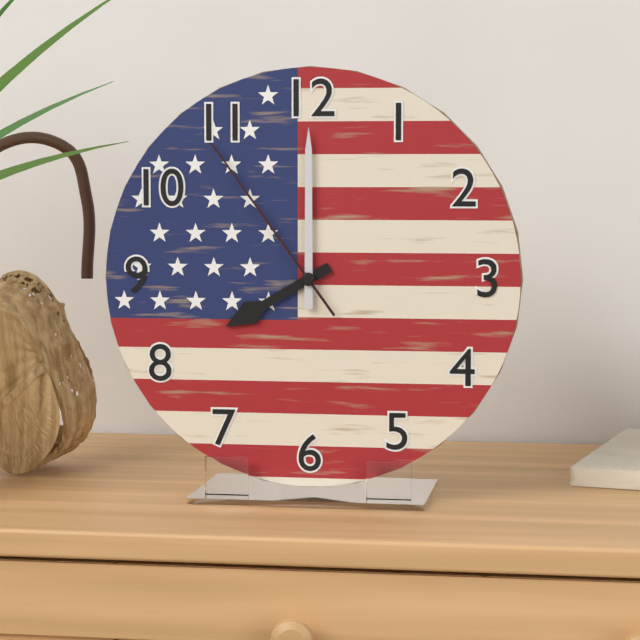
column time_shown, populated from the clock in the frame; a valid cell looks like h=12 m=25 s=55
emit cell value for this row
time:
h=8 m=0 s=54
